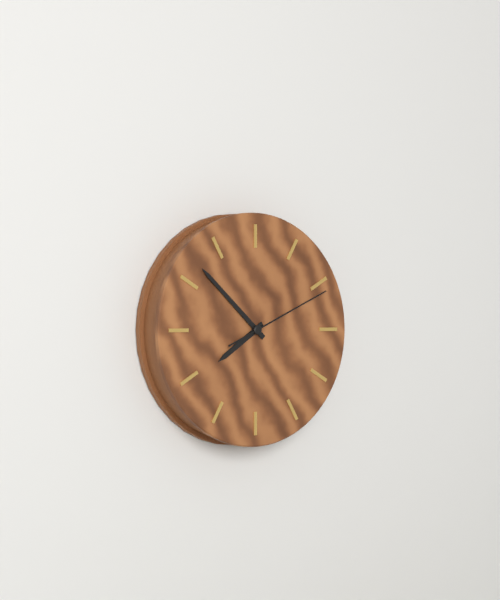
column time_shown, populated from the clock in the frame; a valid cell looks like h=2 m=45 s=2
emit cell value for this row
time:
h=7 m=52 s=11
